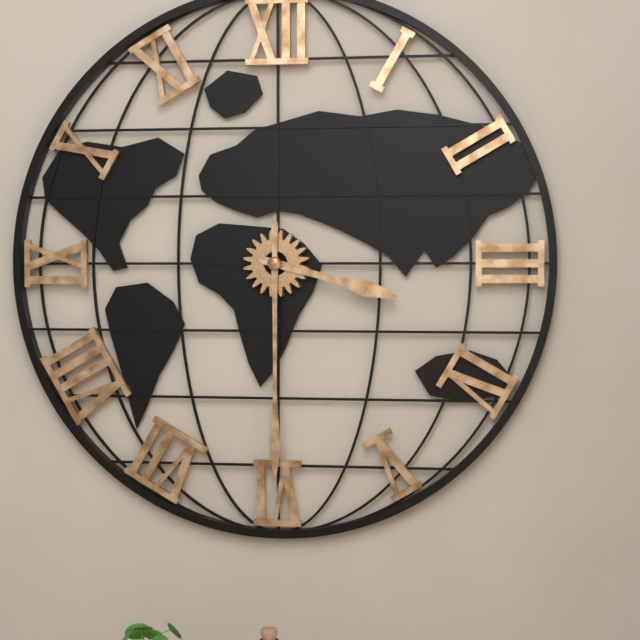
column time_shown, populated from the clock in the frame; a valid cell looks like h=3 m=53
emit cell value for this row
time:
h=3 m=30
